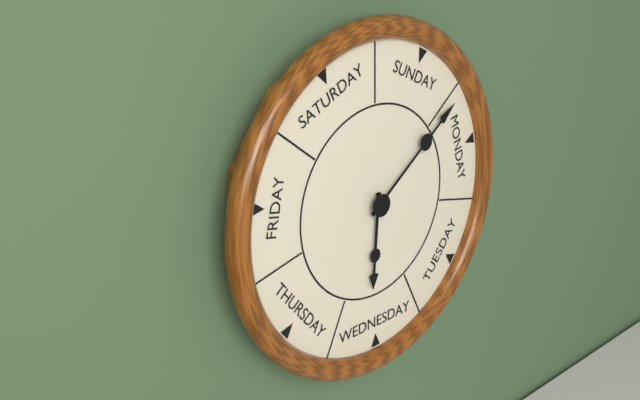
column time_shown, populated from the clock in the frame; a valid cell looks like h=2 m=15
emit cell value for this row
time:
h=6 m=9
